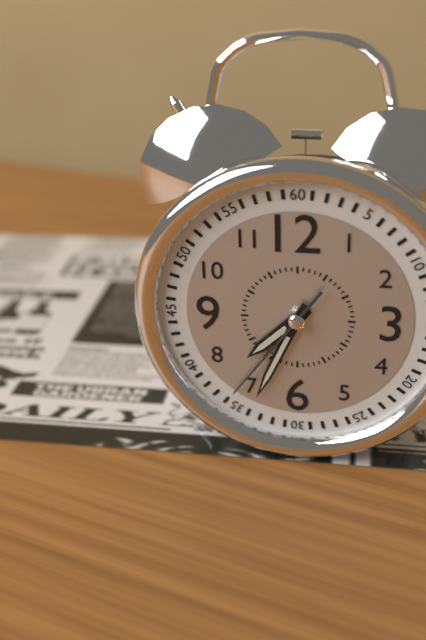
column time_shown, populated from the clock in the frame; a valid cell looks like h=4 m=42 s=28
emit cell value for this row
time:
h=7 m=34 s=36
